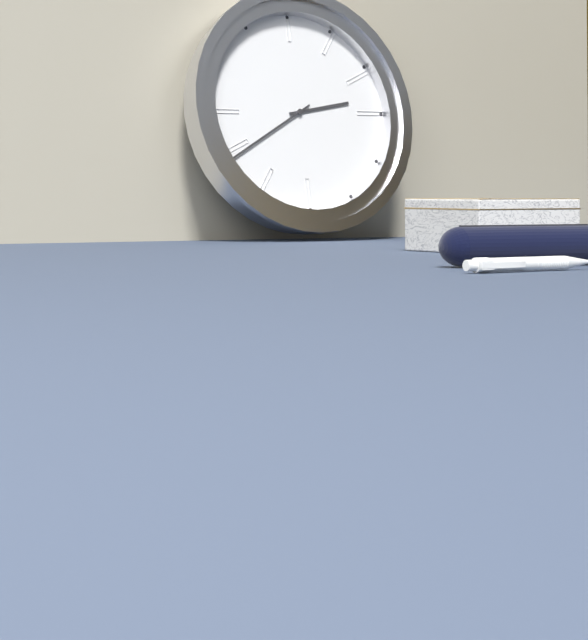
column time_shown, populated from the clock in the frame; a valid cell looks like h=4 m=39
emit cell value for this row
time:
h=2 m=40
